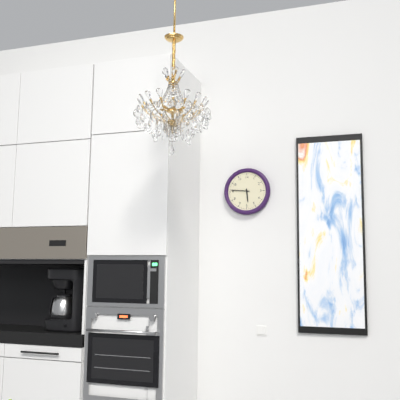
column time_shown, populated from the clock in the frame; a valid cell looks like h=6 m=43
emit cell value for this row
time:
h=5 m=46
